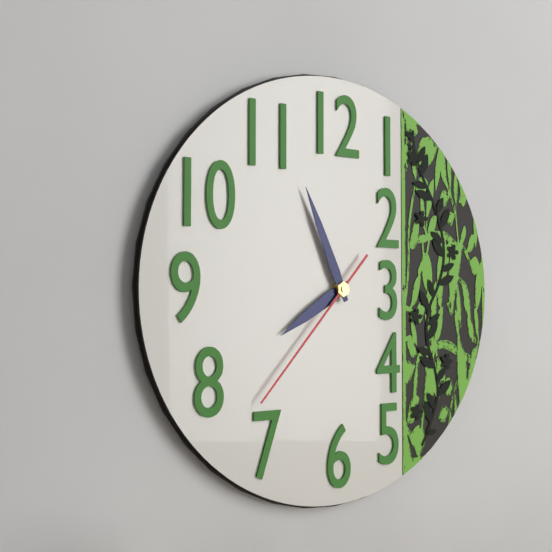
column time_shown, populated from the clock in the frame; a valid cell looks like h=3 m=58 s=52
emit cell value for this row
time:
h=7 m=56 s=37
